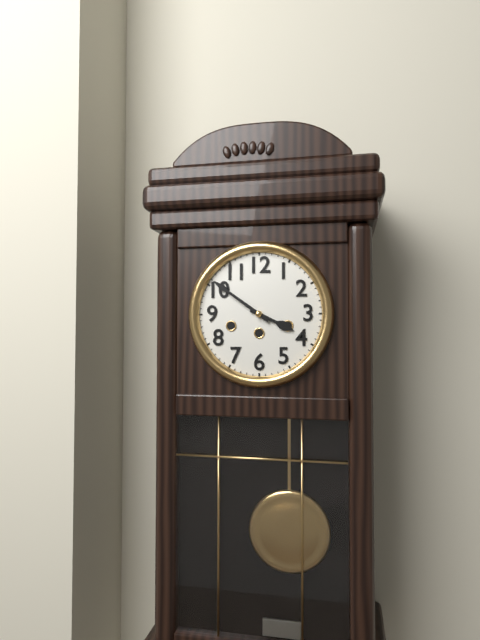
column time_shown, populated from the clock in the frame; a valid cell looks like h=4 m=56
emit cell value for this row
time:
h=3 m=51
